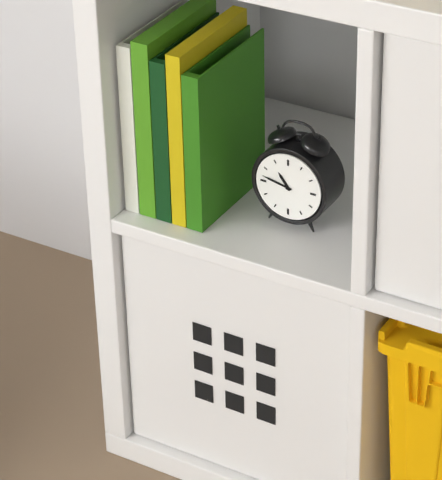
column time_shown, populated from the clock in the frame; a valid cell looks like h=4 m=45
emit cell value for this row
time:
h=10 m=47
